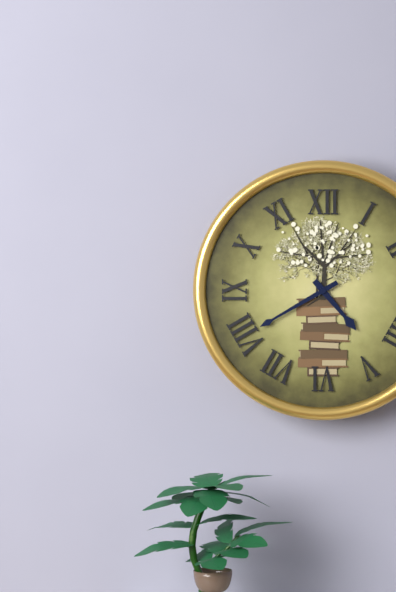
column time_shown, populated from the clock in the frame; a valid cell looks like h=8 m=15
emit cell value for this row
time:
h=4 m=40
